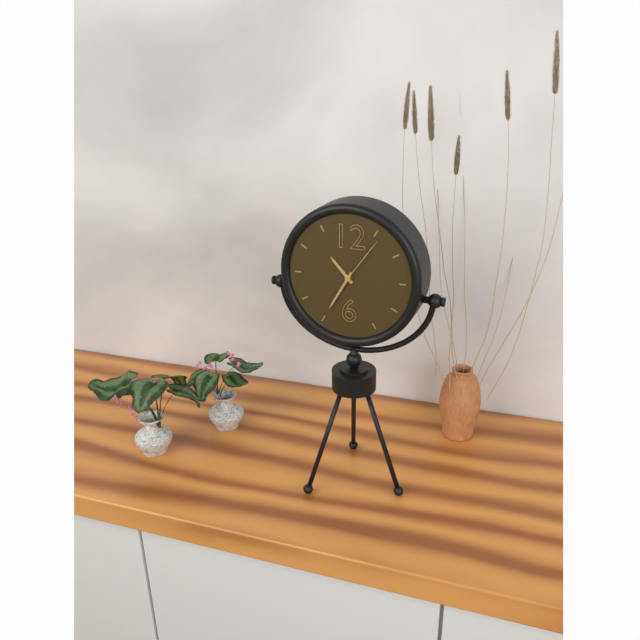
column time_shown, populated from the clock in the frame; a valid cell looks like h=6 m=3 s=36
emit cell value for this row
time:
h=10 m=35 s=6
